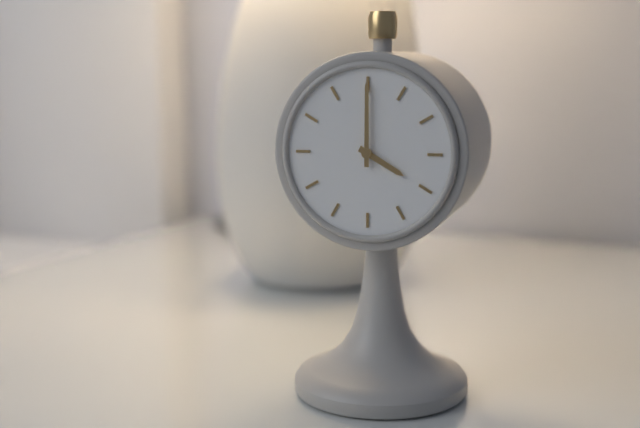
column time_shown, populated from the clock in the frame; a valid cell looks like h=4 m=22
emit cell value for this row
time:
h=4 m=0
